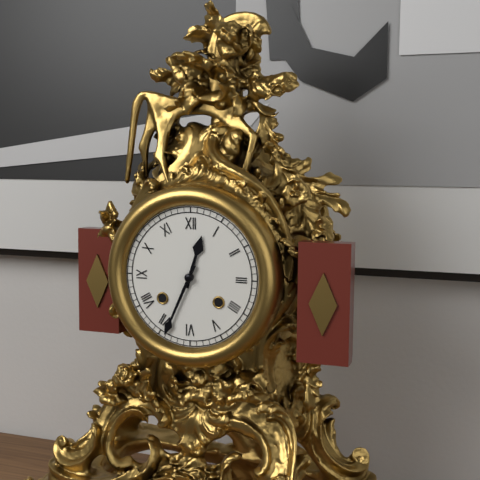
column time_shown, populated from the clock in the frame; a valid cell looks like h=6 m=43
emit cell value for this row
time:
h=12 m=34
